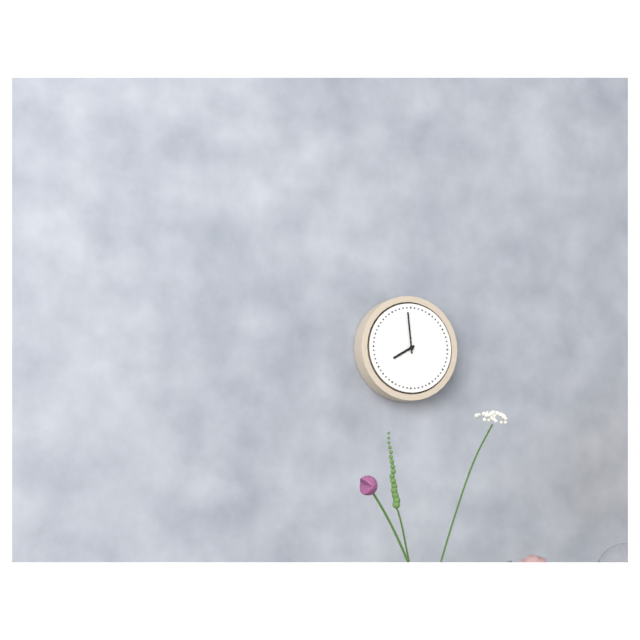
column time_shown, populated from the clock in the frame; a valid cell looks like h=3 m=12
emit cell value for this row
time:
h=7 m=59
